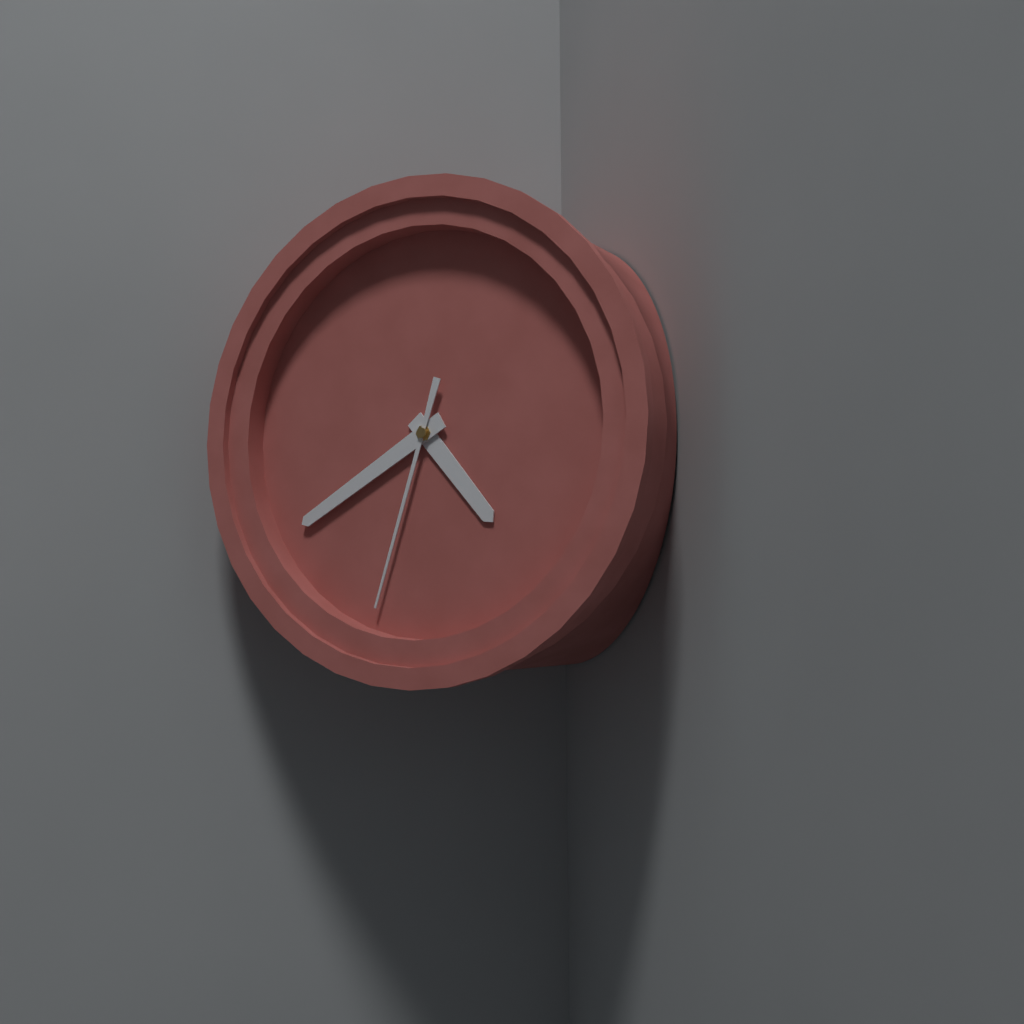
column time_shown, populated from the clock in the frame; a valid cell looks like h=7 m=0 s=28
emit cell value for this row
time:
h=4 m=40 s=33
